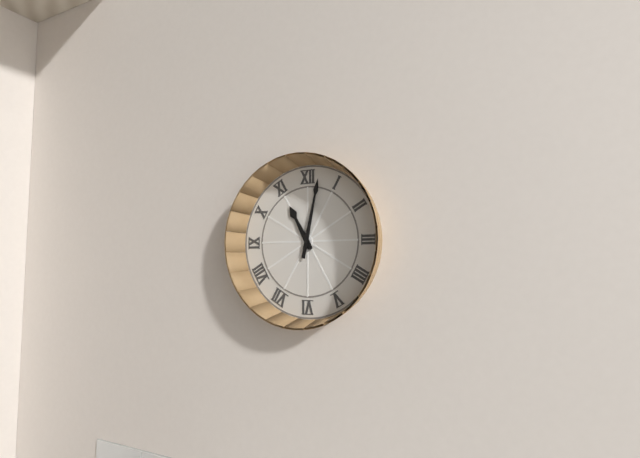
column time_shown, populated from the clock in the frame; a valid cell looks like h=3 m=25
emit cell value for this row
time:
h=11 m=2
